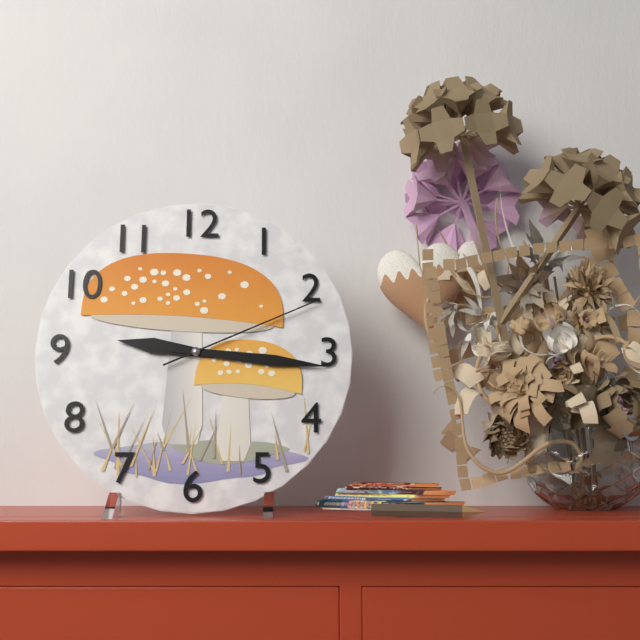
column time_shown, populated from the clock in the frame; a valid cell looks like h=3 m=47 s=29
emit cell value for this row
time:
h=9 m=16 s=11
